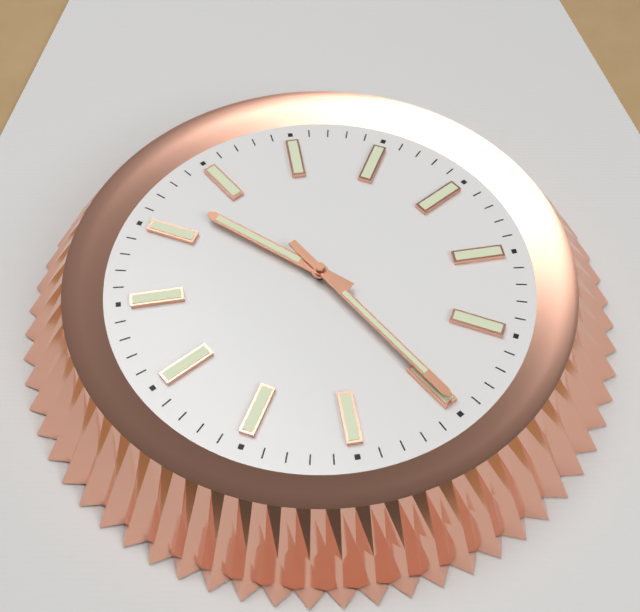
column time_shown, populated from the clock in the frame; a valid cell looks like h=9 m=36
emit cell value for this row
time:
h=10 m=25
